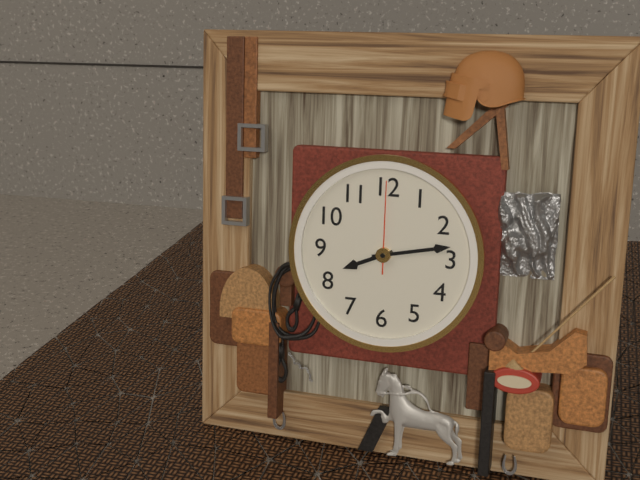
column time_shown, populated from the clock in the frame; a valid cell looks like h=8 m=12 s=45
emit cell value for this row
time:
h=8 m=13 s=0
